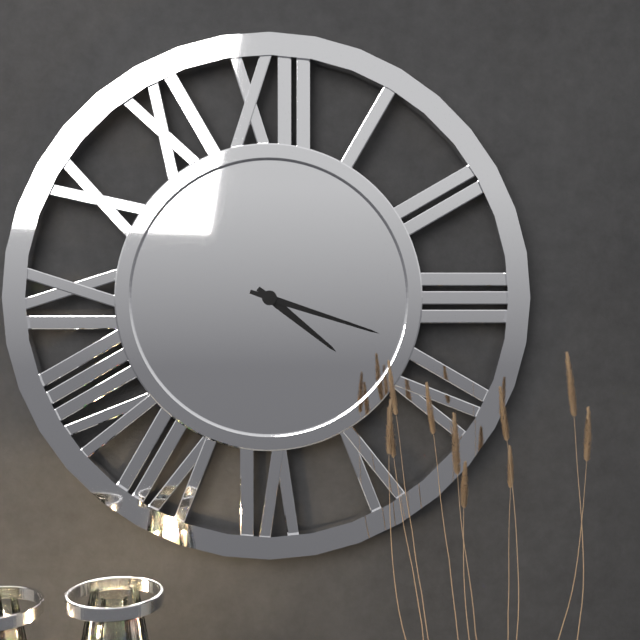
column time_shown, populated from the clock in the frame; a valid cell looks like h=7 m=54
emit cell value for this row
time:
h=4 m=18
